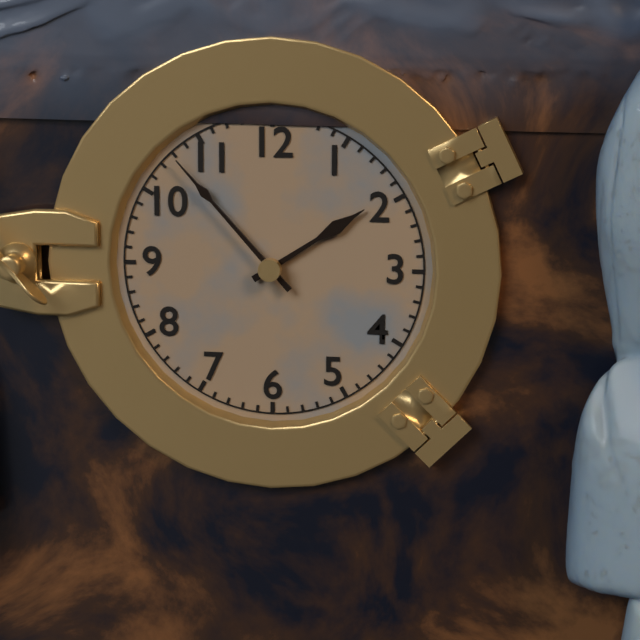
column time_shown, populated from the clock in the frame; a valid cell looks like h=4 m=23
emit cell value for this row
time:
h=1 m=53
